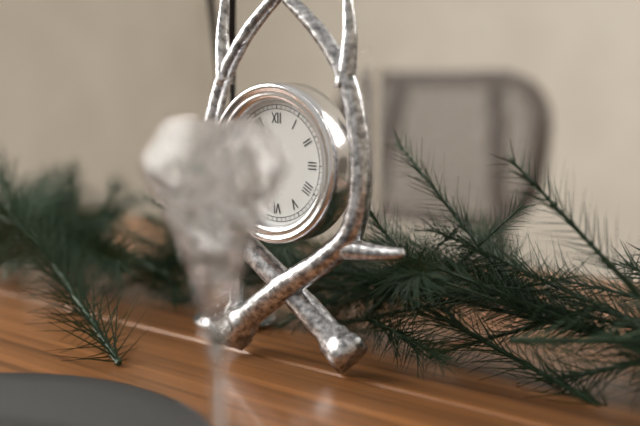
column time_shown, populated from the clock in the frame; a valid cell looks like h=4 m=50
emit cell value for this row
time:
h=7 m=35
